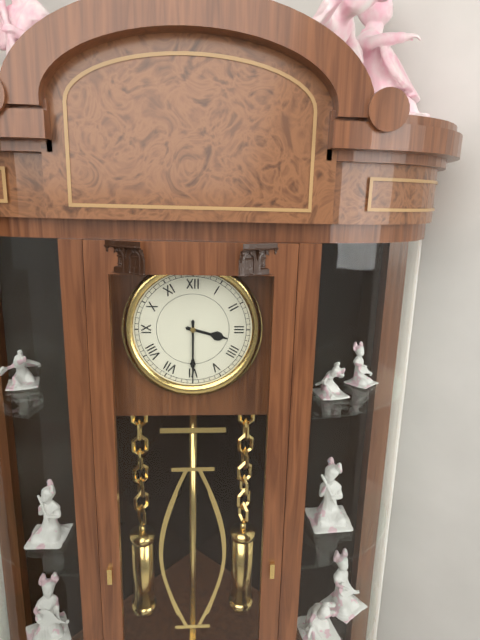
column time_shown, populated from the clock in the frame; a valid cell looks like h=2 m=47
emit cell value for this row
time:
h=3 m=30
